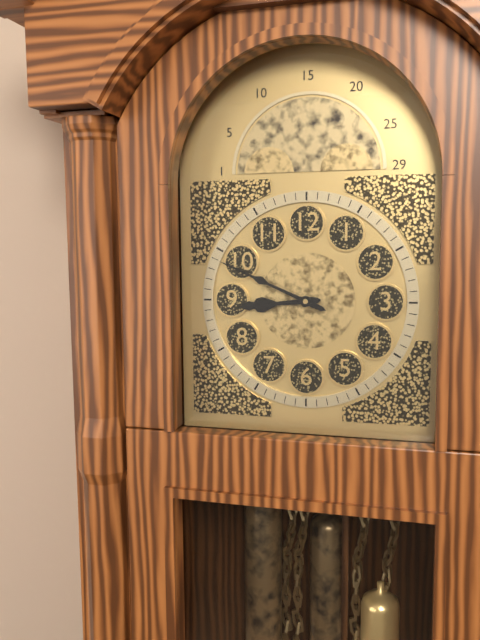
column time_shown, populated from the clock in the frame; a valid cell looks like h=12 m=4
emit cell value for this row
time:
h=8 m=49
